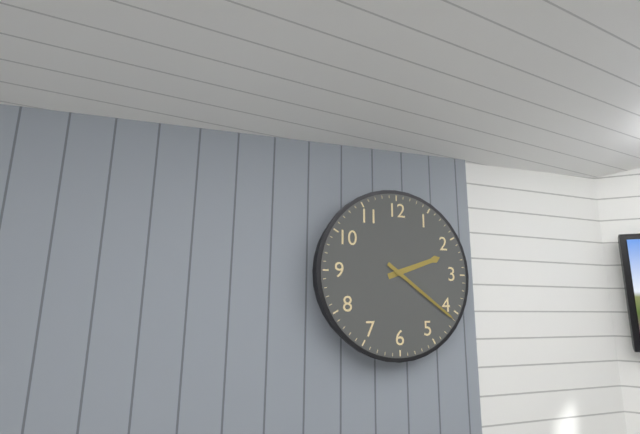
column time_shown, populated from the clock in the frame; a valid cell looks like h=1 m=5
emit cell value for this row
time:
h=2 m=21
